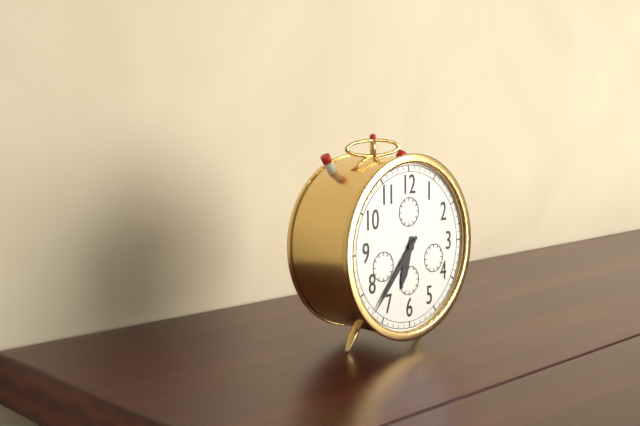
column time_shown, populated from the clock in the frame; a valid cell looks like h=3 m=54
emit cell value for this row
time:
h=6 m=37
